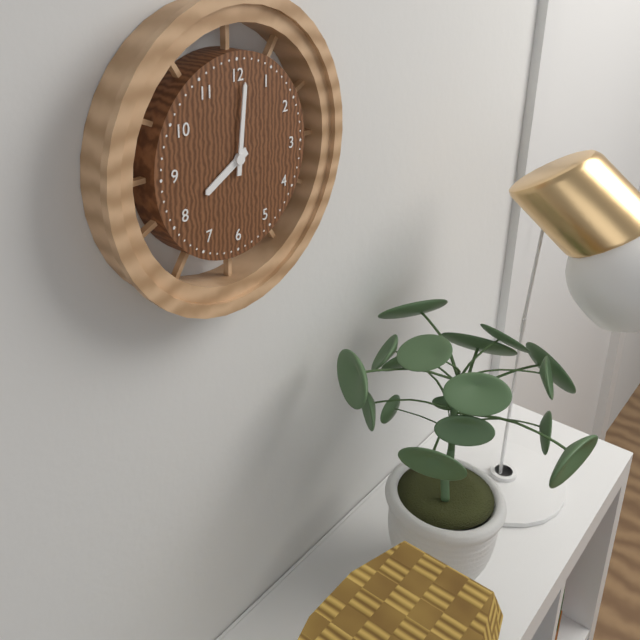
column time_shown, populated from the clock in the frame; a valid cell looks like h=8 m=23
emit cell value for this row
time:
h=8 m=1
